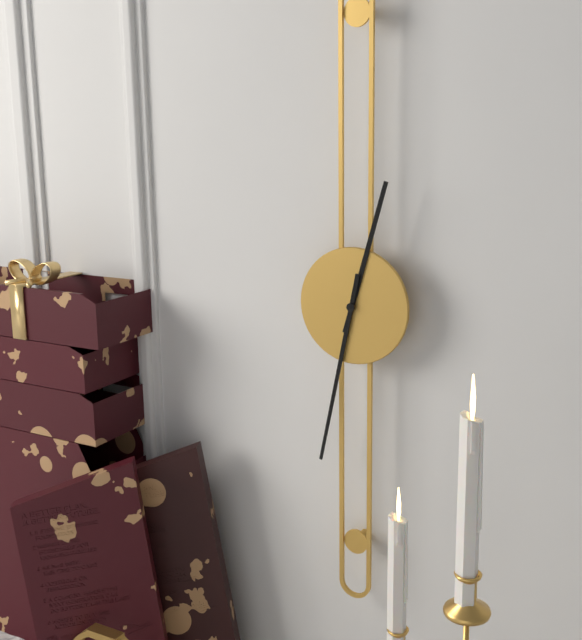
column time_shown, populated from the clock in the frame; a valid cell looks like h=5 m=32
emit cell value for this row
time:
h=12 m=32
